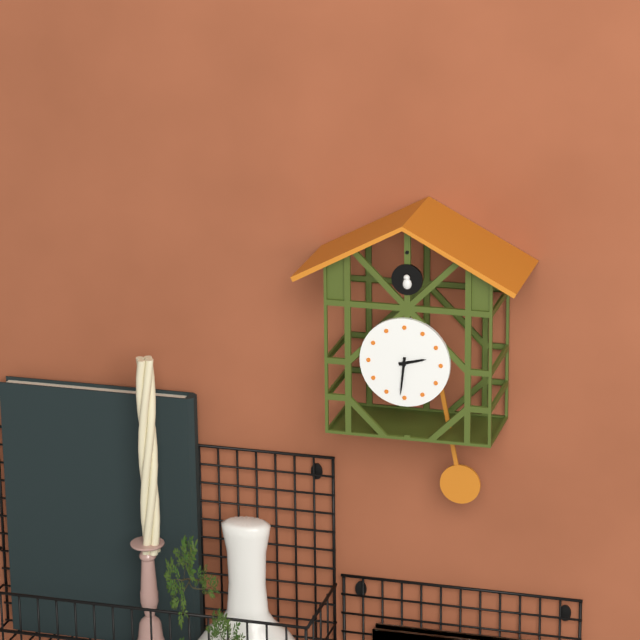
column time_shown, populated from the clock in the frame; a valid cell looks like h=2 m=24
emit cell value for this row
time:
h=2 m=31
